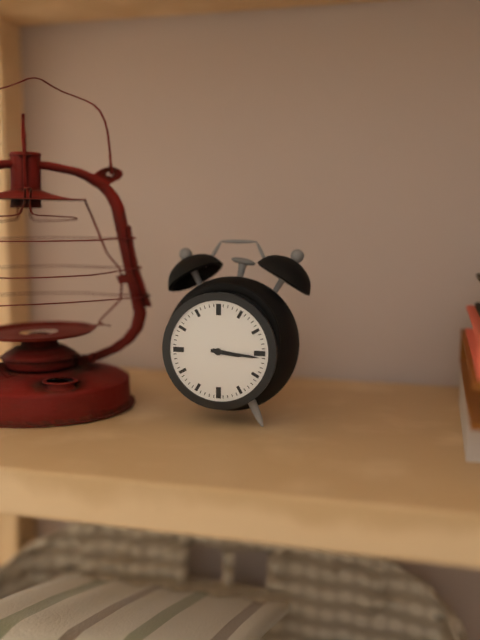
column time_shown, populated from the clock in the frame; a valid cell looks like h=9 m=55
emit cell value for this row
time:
h=3 m=16
